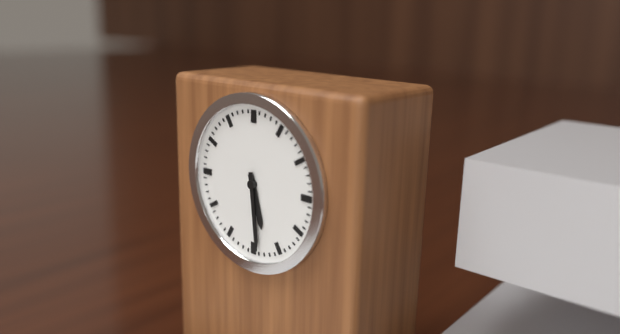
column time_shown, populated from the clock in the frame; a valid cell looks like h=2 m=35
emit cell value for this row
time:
h=5 m=29
